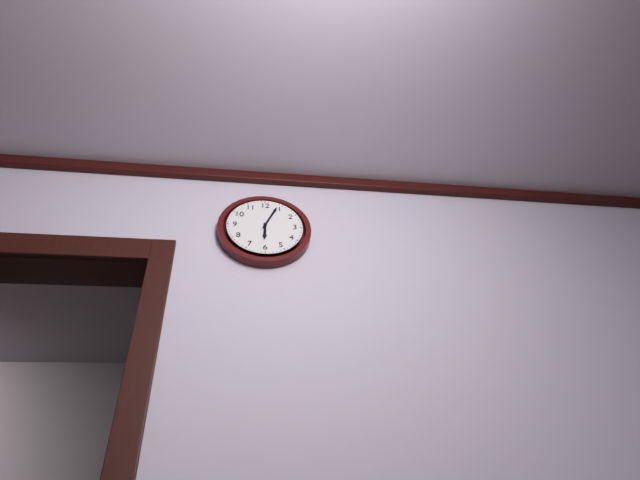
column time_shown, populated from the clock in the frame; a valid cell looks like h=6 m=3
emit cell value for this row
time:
h=6 m=4
